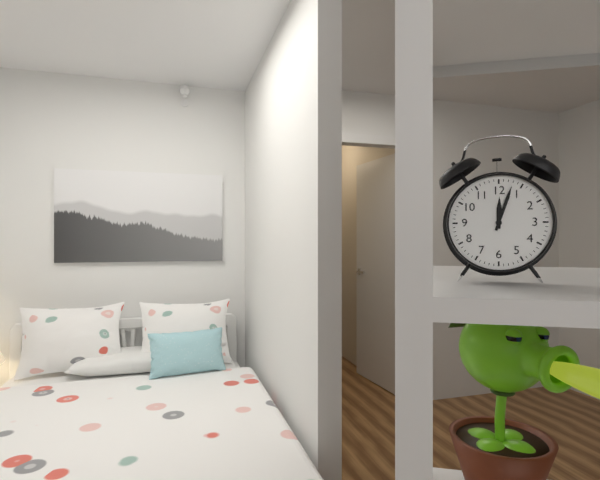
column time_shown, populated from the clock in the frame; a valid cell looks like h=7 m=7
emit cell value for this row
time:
h=12 m=3
